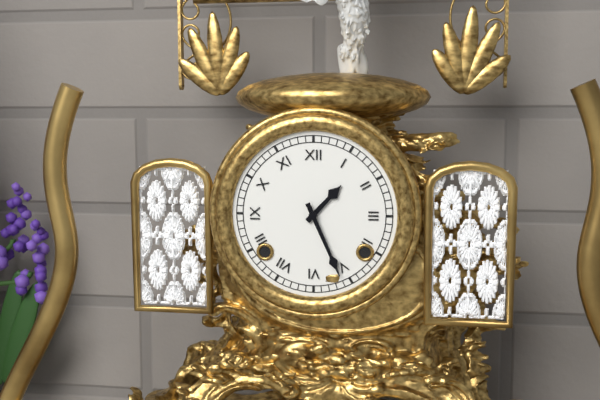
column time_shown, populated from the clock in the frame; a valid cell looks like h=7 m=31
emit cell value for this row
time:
h=1 m=26
